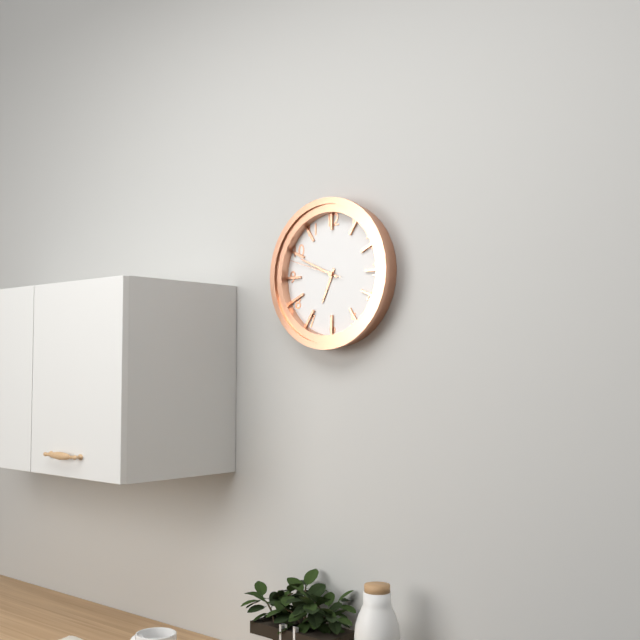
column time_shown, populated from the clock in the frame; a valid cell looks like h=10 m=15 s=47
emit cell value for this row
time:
h=6 m=49 s=48
